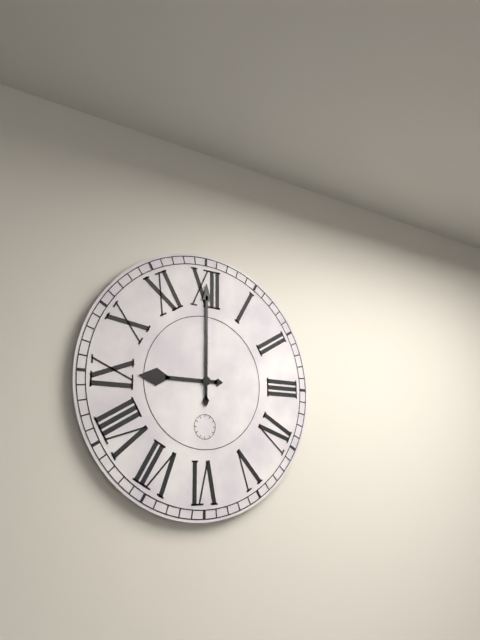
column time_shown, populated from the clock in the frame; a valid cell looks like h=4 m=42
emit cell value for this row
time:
h=9 m=0
